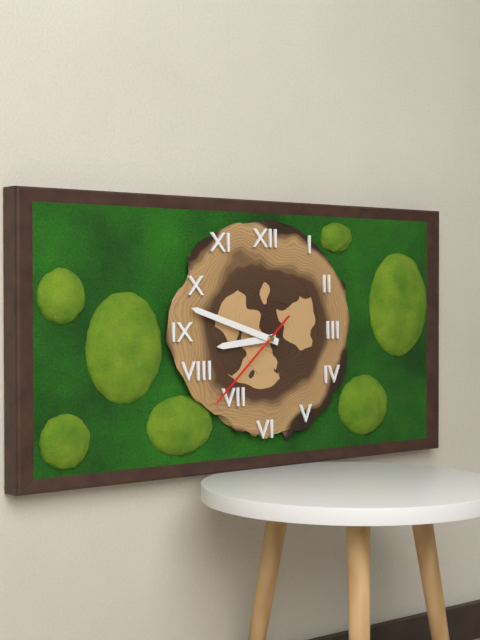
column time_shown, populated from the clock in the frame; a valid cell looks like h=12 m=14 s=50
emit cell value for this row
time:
h=8 m=48 s=38
